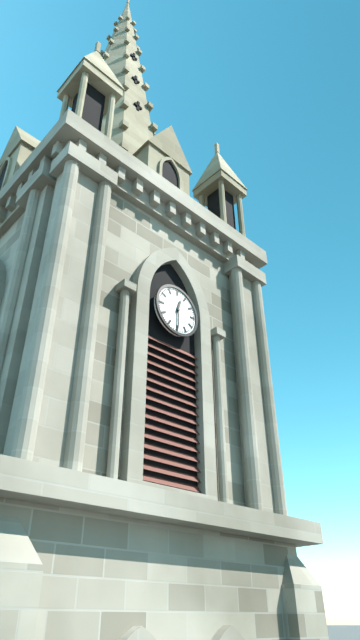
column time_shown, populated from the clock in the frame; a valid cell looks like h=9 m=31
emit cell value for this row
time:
h=12 m=30
